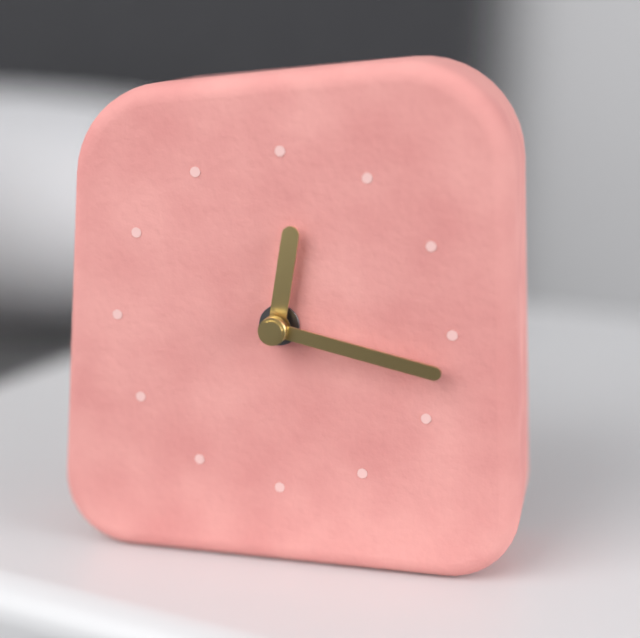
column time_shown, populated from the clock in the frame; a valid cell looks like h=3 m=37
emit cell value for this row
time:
h=12 m=17
